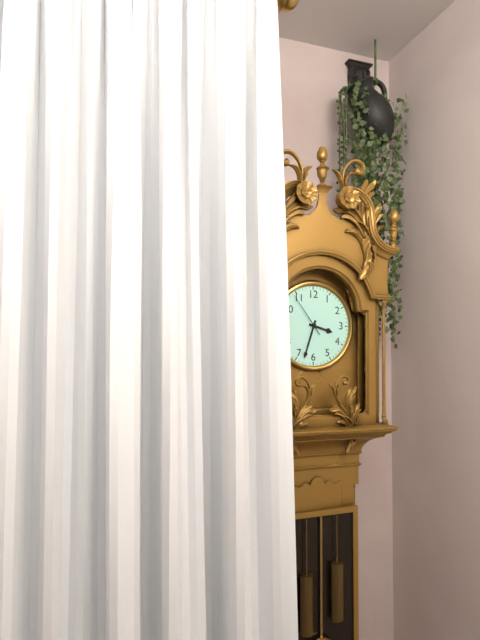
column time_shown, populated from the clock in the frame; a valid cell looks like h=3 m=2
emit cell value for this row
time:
h=3 m=33
